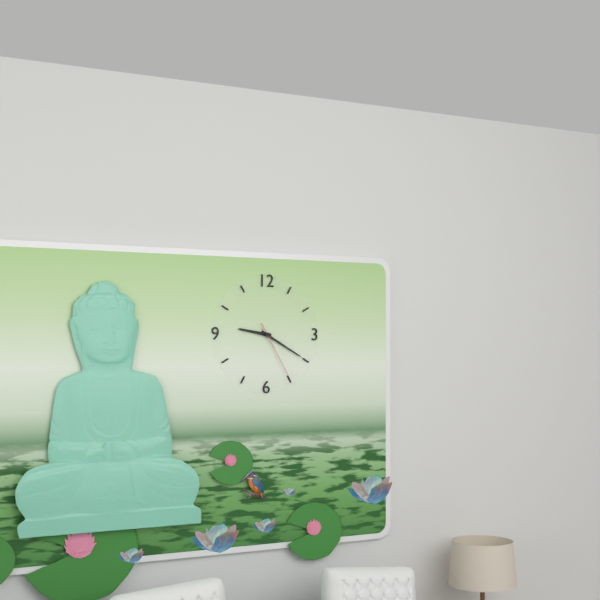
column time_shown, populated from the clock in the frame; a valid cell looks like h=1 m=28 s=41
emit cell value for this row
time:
h=9 m=20 s=25
